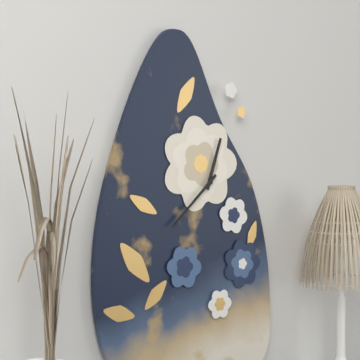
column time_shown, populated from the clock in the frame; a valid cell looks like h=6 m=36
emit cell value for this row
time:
h=12 m=38
